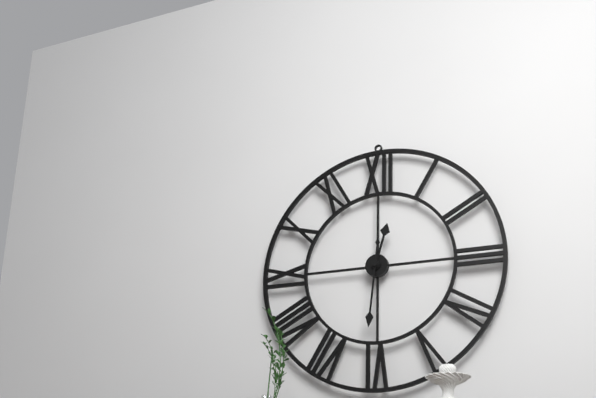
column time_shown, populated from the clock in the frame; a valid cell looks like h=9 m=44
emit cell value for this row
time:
h=12 m=31
